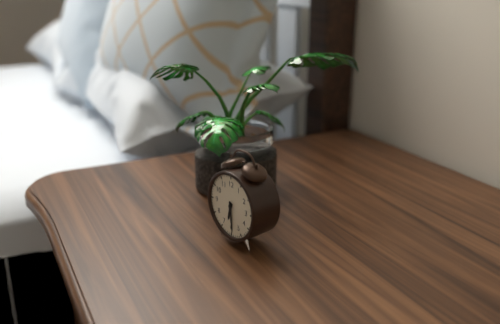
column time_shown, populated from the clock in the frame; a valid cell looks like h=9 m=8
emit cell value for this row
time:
h=6 m=29
